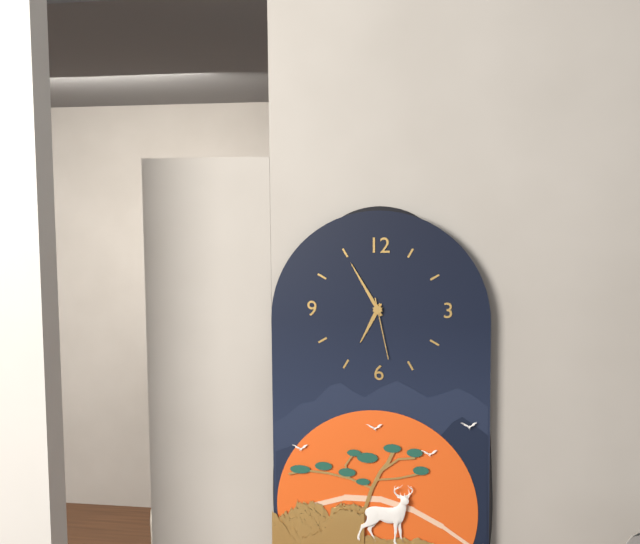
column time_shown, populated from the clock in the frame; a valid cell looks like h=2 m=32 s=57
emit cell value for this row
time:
h=6 m=55 s=28
